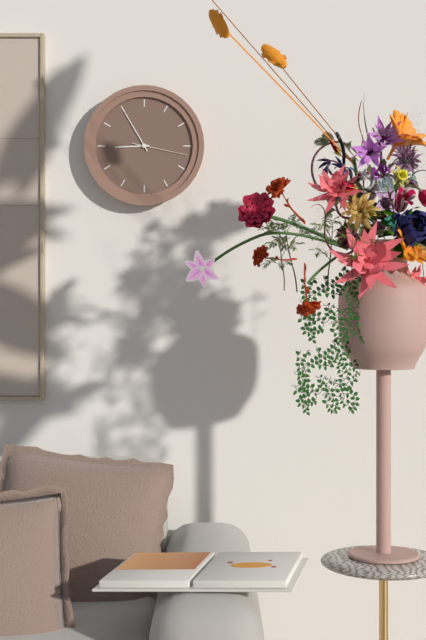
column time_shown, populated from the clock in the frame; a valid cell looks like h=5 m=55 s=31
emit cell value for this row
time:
h=8 m=55 s=17
